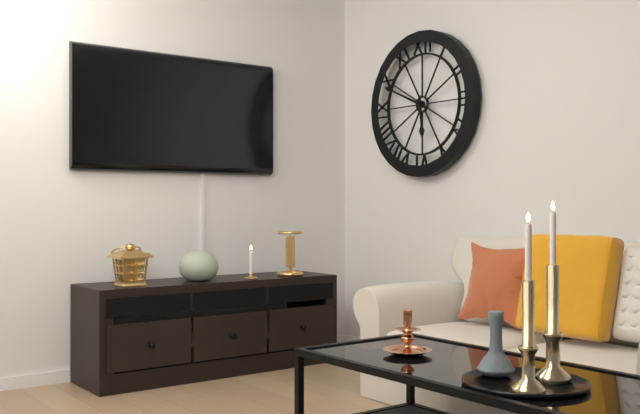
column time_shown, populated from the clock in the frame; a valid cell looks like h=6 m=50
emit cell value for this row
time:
h=5 m=49
